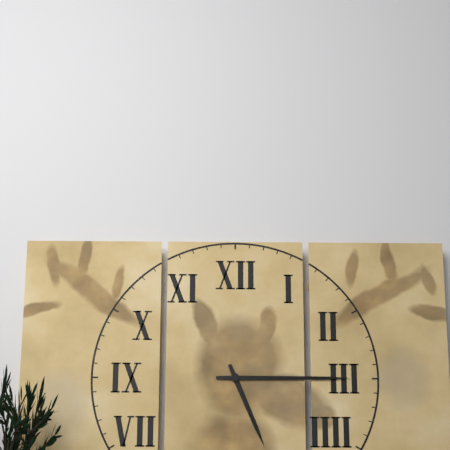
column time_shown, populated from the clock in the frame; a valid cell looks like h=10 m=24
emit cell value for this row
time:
h=5 m=15
